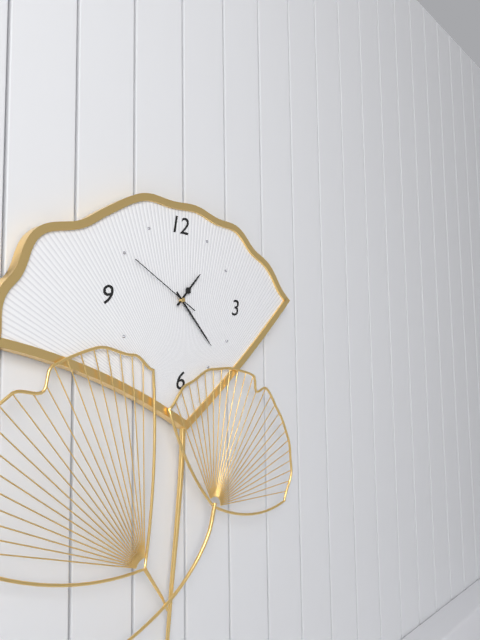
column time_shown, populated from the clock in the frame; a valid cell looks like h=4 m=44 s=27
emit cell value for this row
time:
h=1 m=23 s=50
